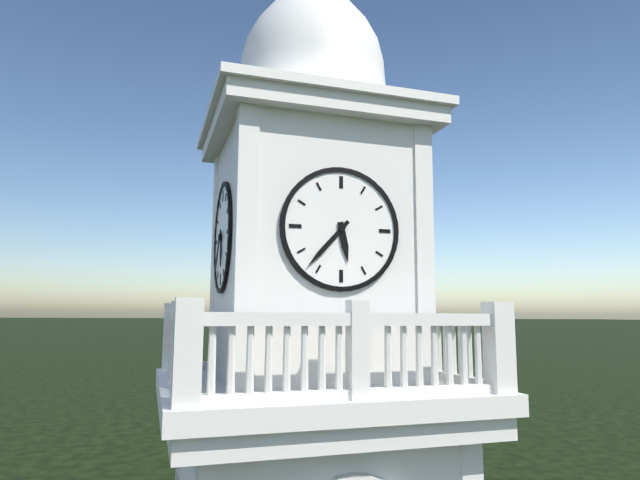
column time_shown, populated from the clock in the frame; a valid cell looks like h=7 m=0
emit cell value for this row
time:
h=5 m=37
